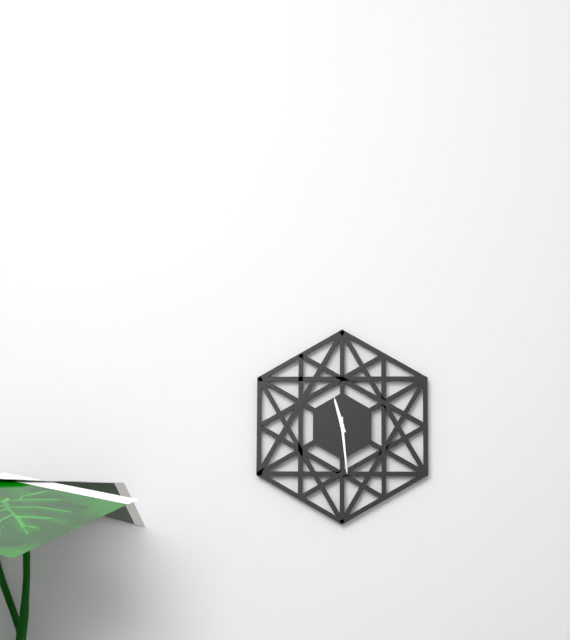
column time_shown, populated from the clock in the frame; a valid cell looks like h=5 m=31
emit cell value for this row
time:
h=11 m=29
